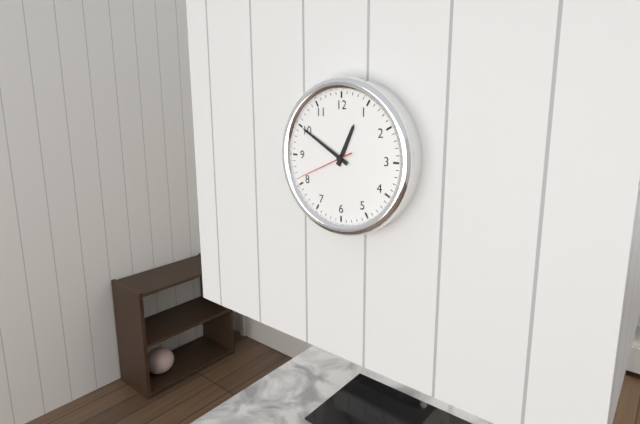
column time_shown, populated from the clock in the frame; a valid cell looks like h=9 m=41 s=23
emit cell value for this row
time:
h=12 m=50 s=41
